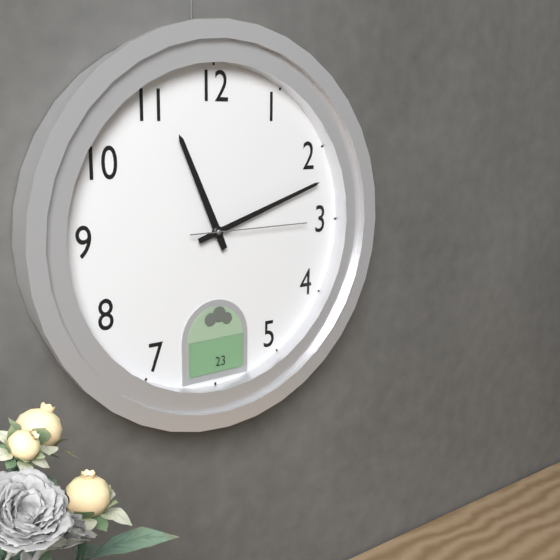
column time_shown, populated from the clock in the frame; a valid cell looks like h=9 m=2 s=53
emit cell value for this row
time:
h=11 m=12 s=15
